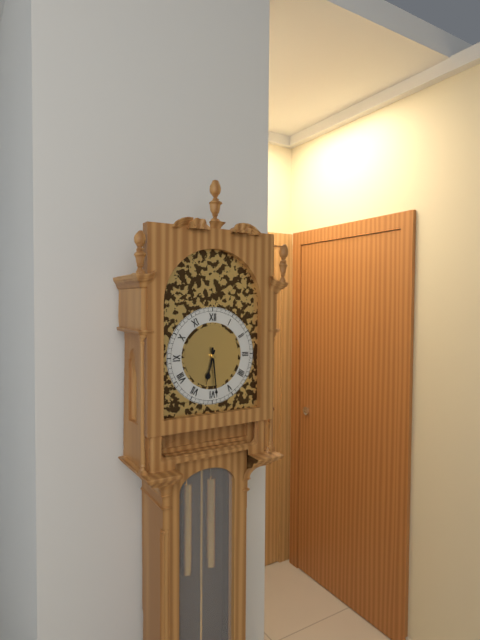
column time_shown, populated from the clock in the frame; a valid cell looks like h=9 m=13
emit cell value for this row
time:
h=6 m=29
